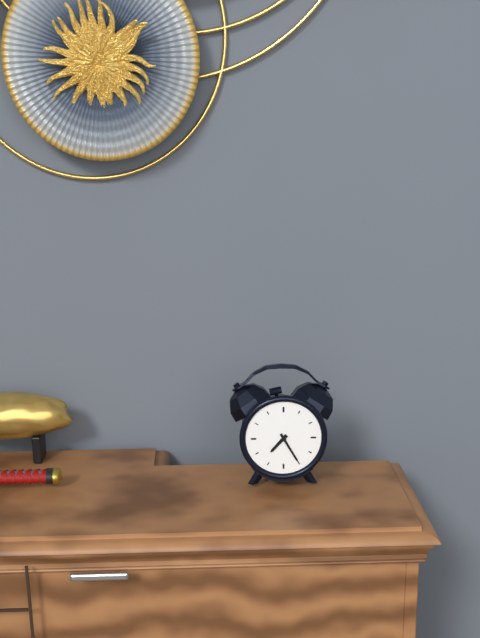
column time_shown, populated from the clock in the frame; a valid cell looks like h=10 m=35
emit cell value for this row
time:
h=7 m=25
